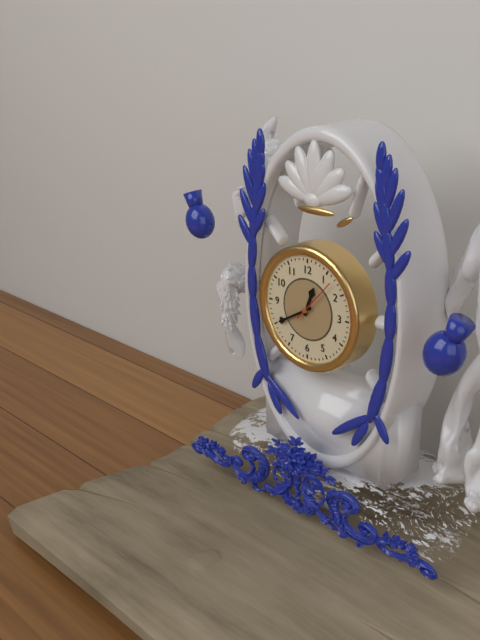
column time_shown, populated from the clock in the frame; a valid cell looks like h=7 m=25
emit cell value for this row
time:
h=12 m=40
